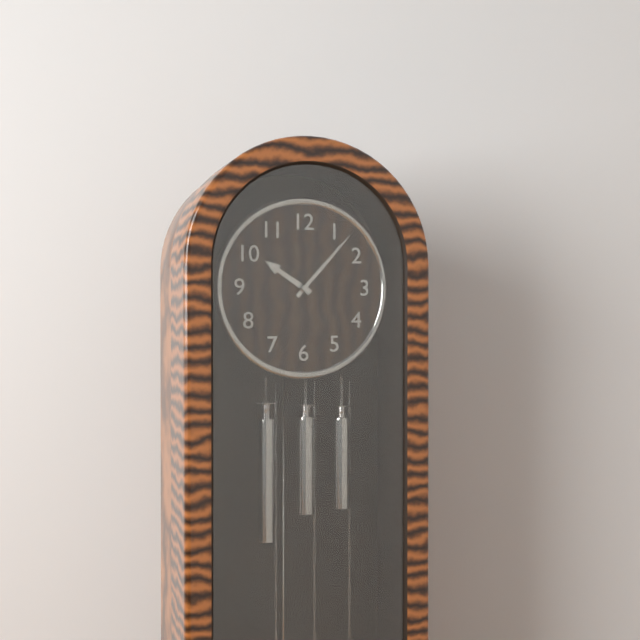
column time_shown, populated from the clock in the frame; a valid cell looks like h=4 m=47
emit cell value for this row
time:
h=10 m=7
